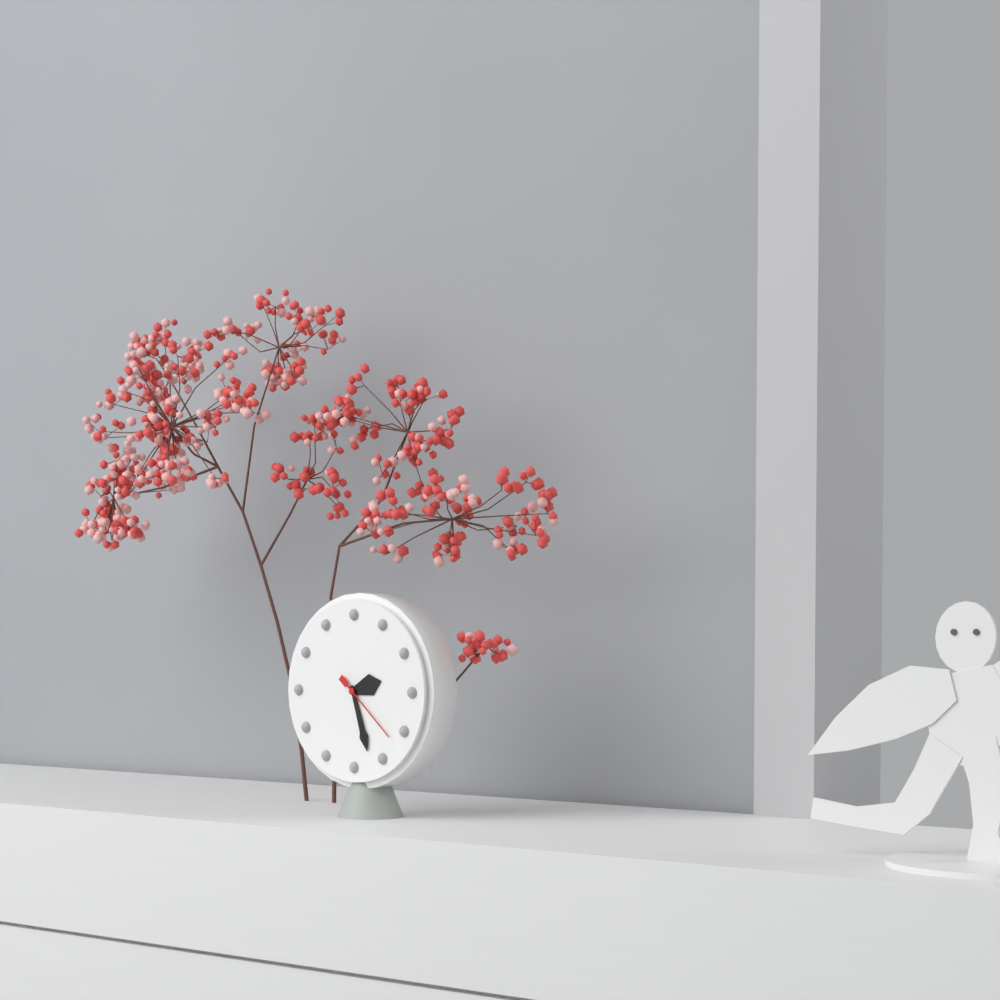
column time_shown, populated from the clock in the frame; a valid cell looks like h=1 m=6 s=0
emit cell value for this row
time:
h=2 m=27 s=22
